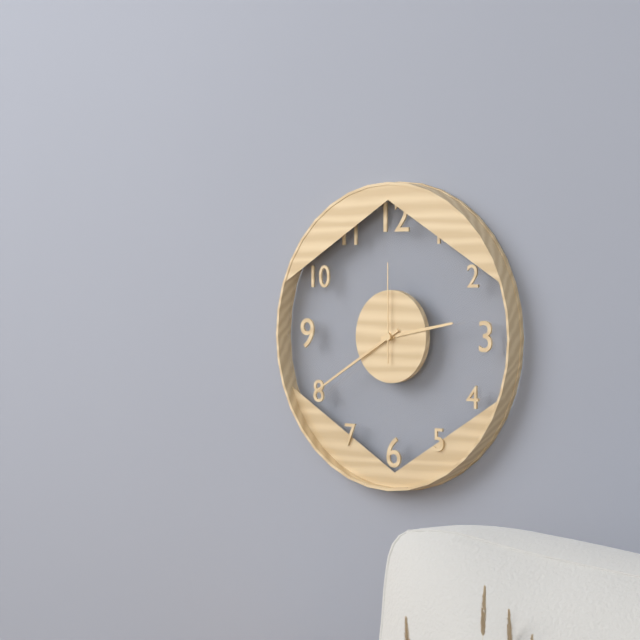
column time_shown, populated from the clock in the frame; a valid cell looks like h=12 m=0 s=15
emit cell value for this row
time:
h=2 m=40 s=0
